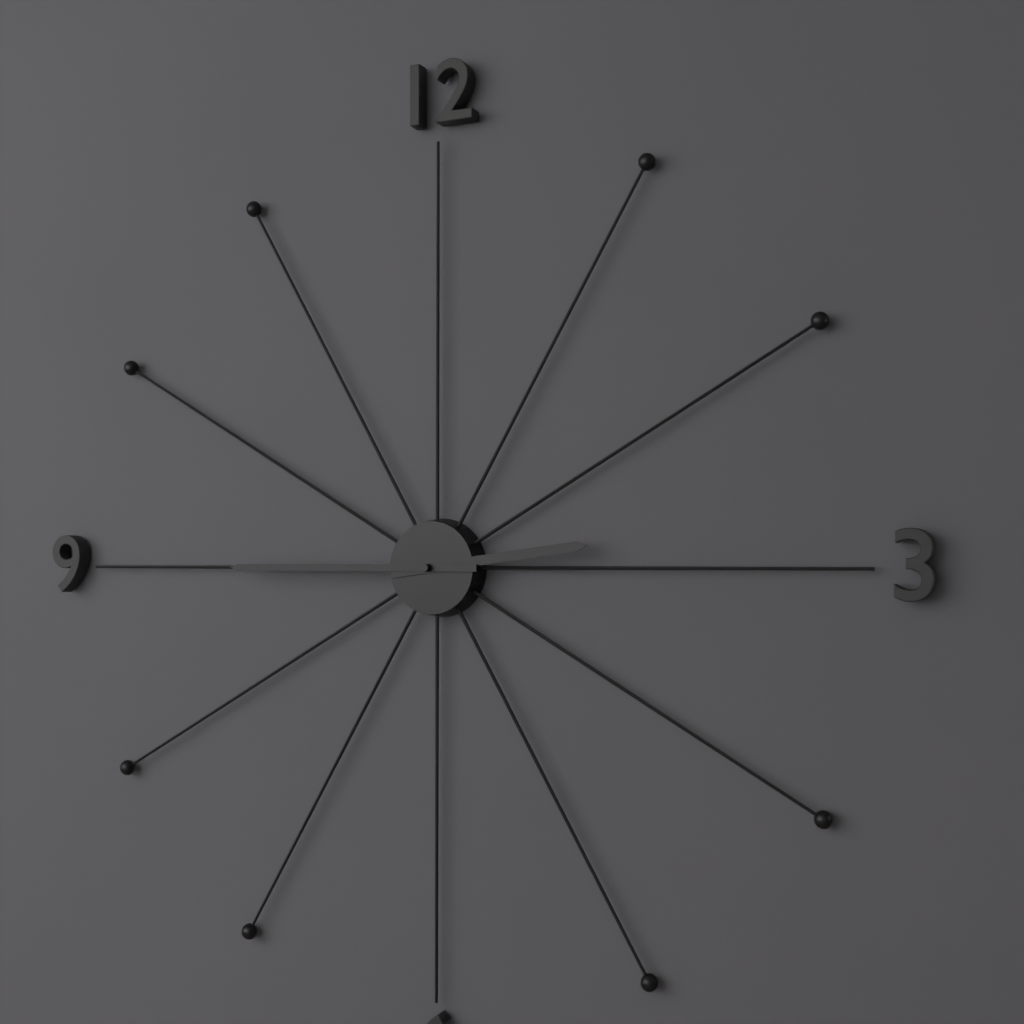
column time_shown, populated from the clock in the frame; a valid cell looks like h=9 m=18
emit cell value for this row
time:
h=2 m=45
